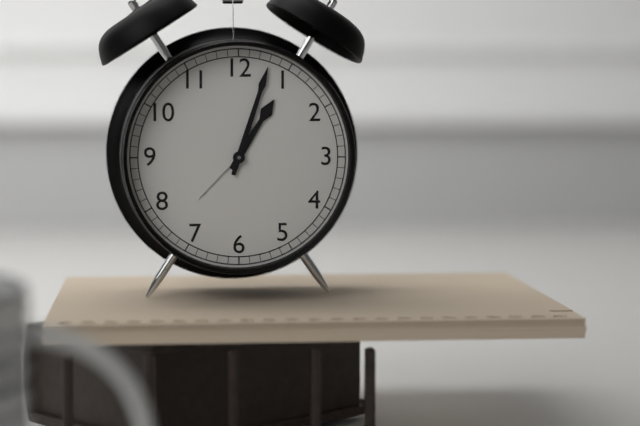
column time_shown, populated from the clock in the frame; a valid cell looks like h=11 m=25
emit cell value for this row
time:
h=1 m=3
